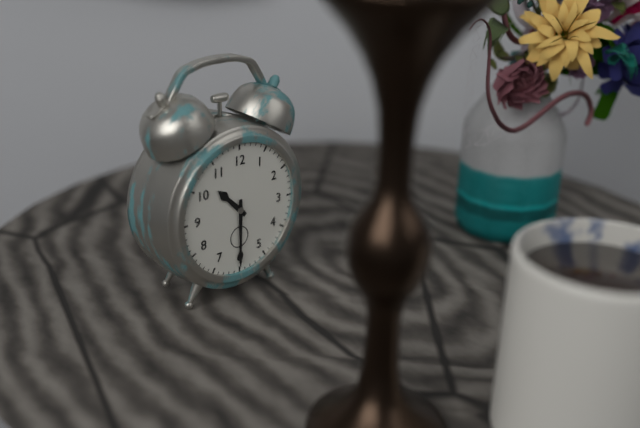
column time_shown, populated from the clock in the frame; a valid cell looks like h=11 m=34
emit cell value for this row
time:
h=10 m=30
